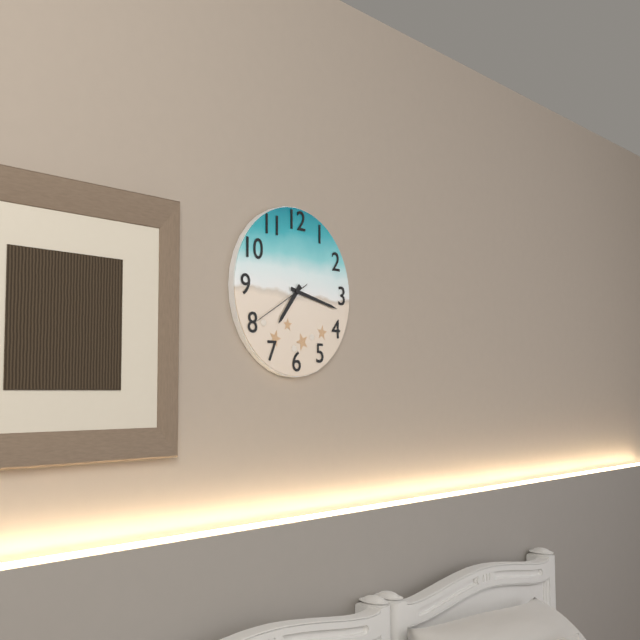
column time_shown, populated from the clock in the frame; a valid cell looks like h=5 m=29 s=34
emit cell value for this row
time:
h=7 m=17 s=40
